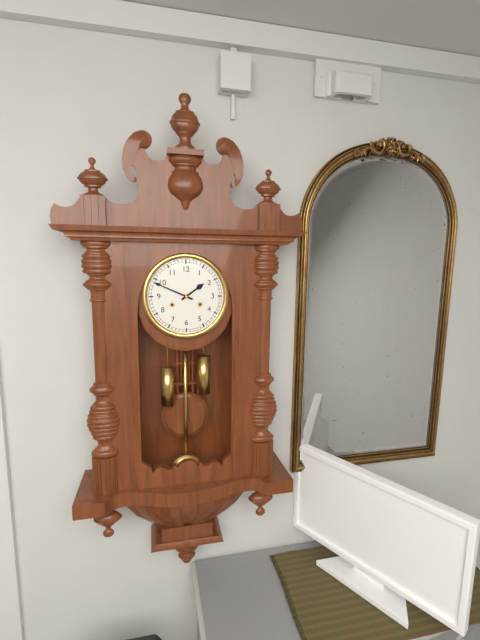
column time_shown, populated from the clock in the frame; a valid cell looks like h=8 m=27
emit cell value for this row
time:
h=1 m=49
